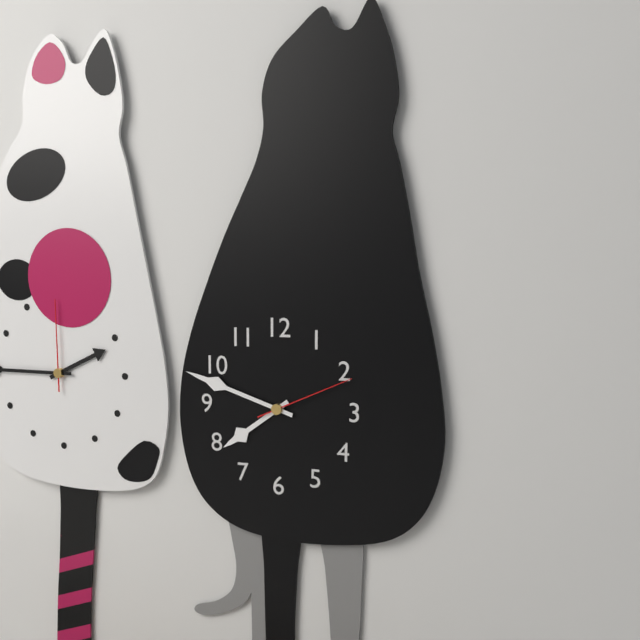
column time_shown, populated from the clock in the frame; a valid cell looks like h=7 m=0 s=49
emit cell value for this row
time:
h=7 m=48 s=11
